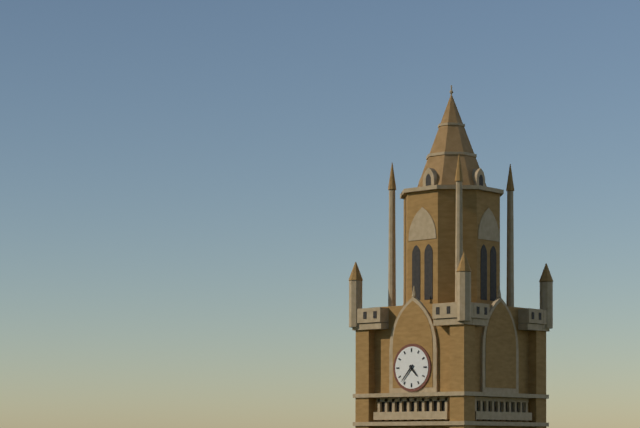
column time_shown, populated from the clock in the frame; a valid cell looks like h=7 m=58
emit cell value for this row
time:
h=4 m=37
